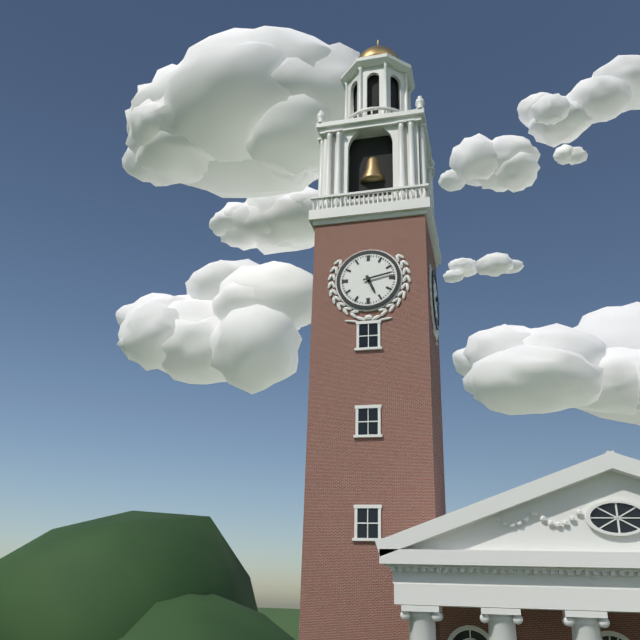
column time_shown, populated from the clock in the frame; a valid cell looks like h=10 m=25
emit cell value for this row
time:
h=5 m=13
